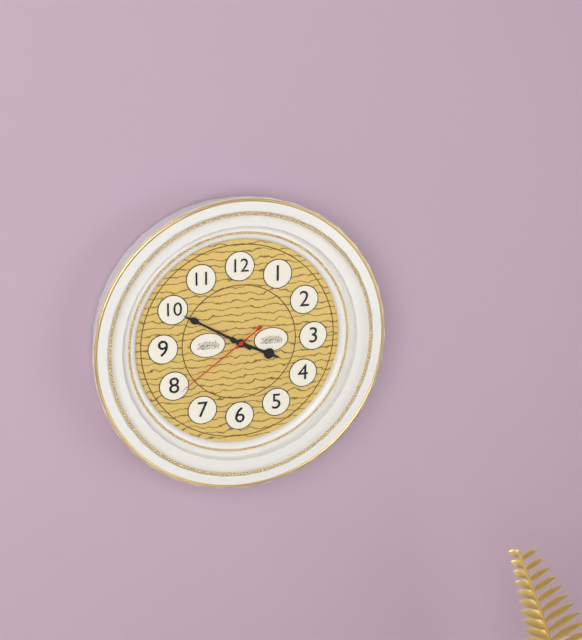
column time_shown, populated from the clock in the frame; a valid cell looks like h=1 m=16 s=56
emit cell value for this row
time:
h=3 m=50 s=39
